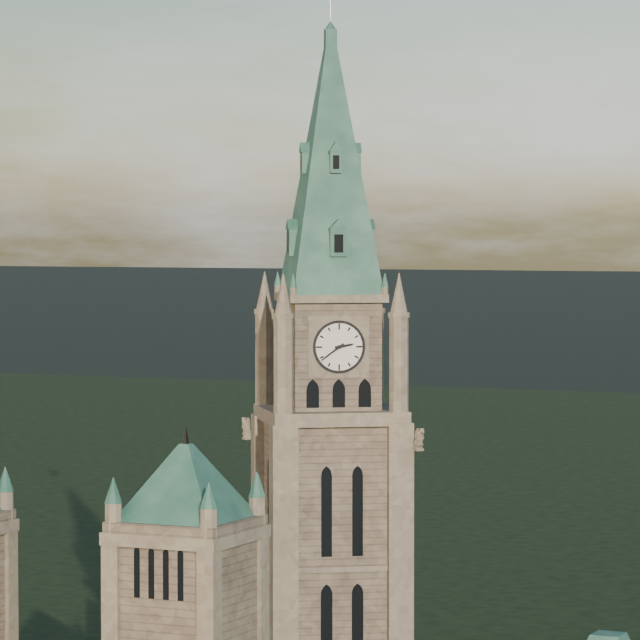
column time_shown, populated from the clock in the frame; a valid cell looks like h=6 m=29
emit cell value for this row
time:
h=2 m=39
